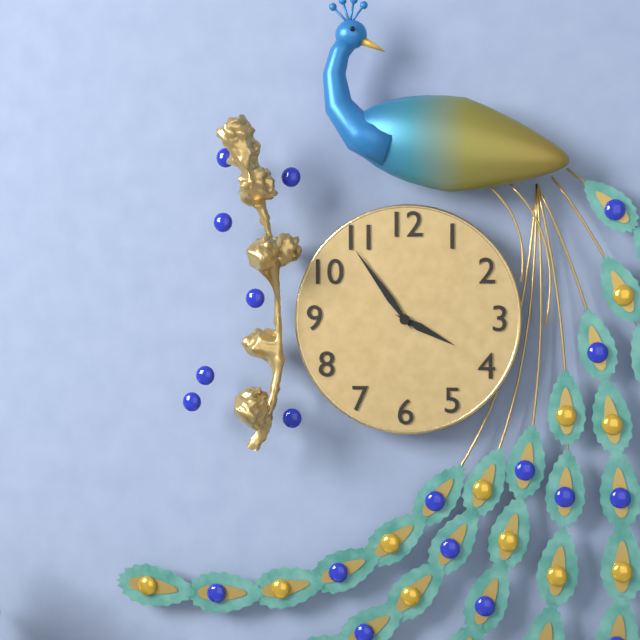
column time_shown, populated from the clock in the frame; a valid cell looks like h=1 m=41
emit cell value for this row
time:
h=3 m=54
